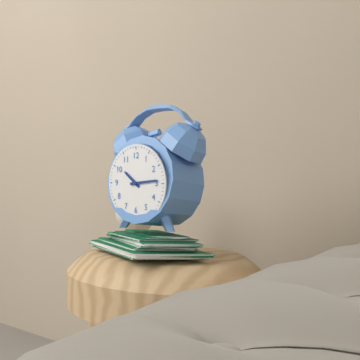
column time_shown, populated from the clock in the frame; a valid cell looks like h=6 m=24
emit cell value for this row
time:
h=10 m=14
